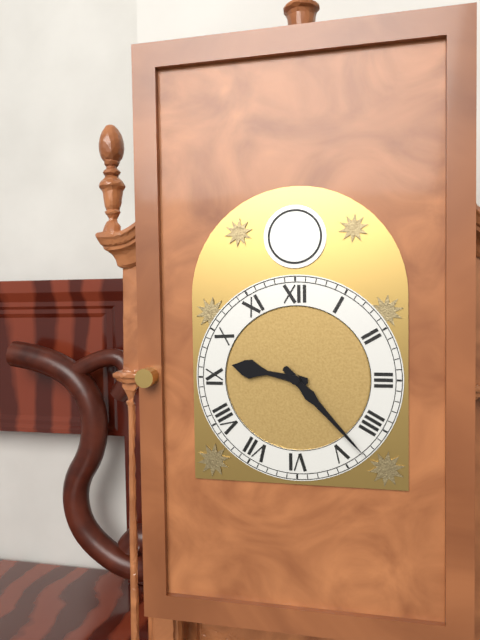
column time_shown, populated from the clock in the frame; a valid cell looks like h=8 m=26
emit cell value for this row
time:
h=9 m=23
